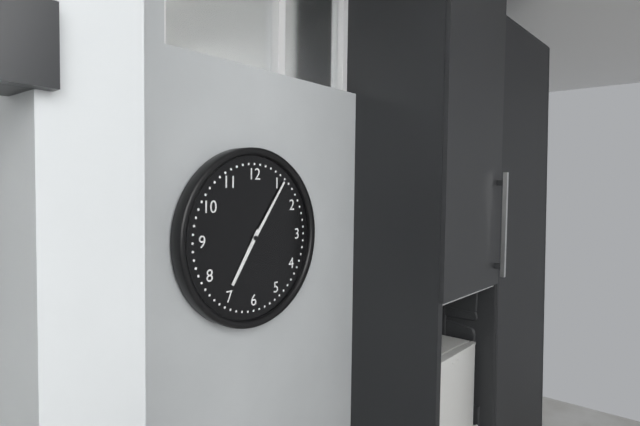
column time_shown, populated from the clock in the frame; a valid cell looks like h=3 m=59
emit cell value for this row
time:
h=7 m=6
